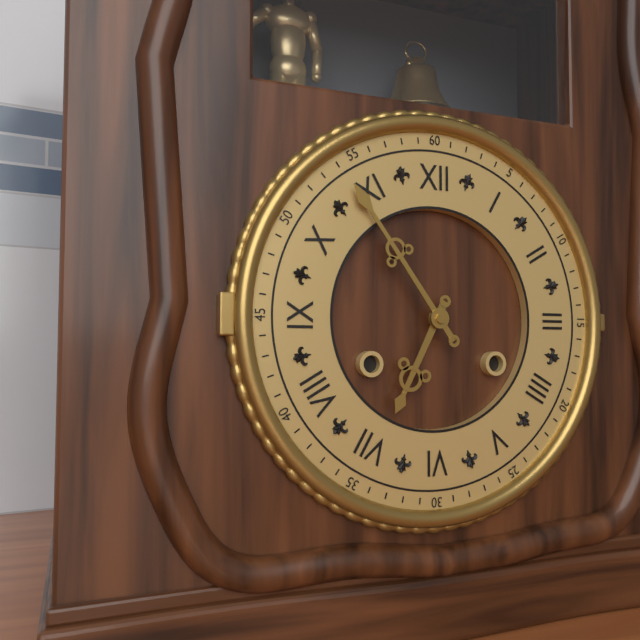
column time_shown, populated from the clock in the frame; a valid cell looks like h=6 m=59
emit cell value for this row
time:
h=6 m=54
